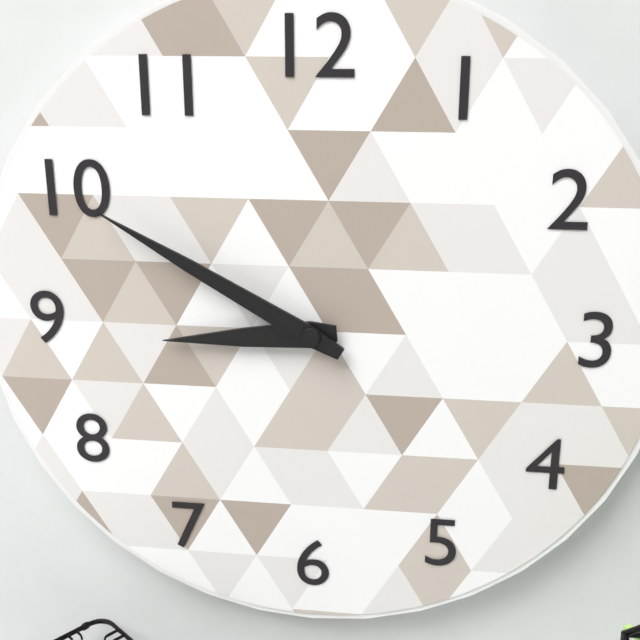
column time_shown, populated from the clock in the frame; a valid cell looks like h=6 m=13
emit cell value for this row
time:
h=8 m=50
